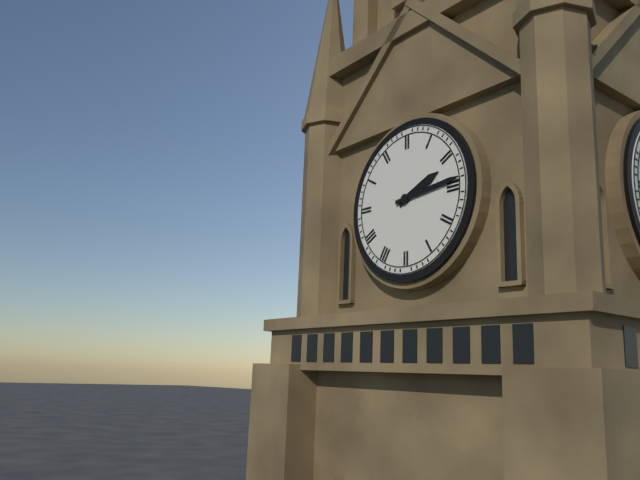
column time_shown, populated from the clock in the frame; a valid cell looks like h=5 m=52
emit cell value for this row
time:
h=2 m=14
